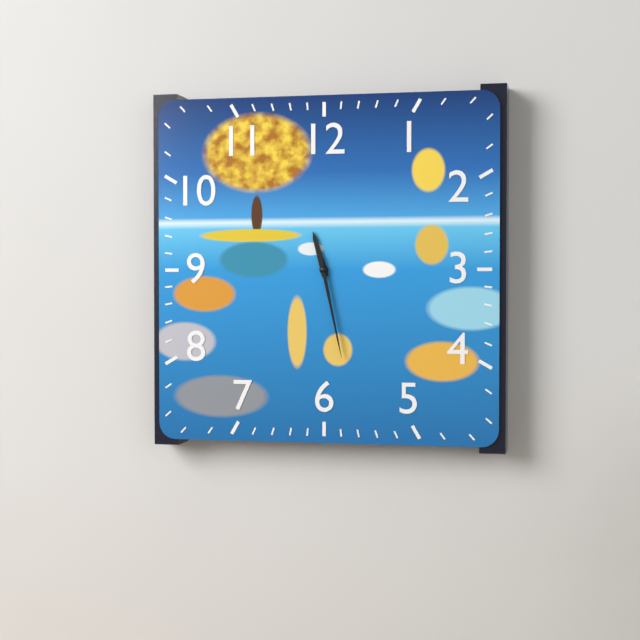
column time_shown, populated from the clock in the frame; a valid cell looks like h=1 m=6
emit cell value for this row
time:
h=11 m=28
